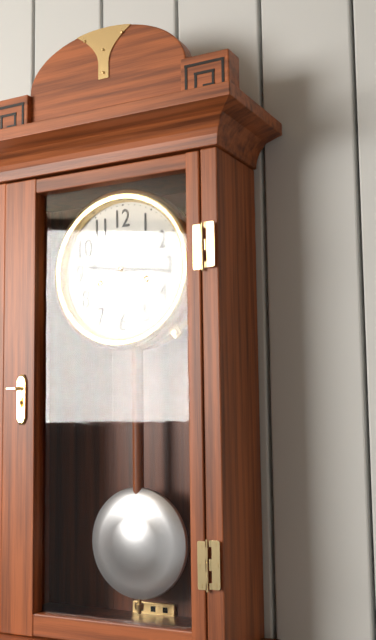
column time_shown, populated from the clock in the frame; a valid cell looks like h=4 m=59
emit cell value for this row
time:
h=9 m=16
